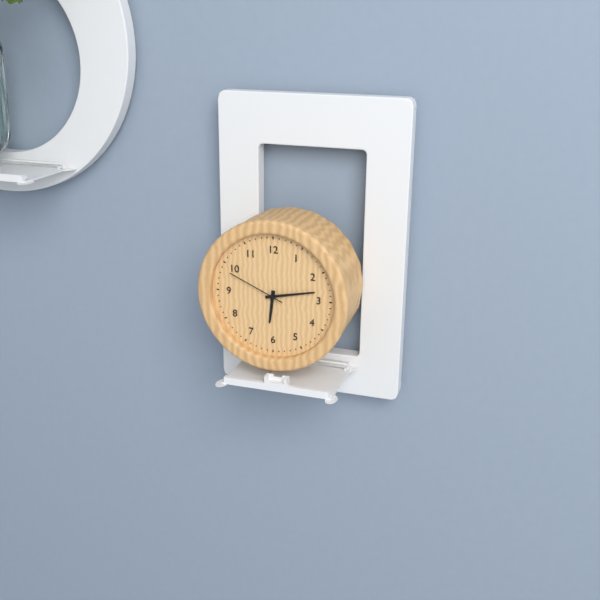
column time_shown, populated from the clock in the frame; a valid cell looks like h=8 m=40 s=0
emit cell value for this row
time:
h=6 m=13 s=49
